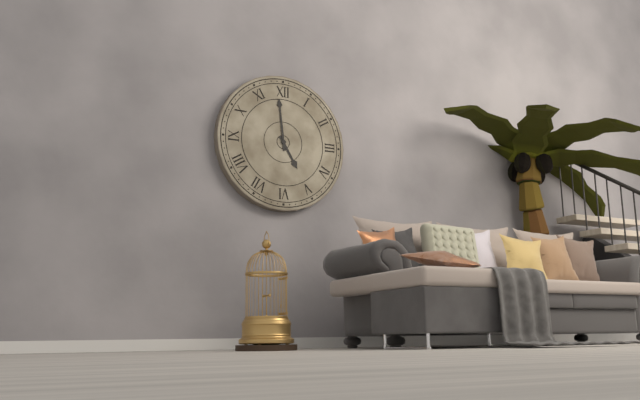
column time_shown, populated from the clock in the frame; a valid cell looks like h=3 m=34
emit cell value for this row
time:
h=4 m=59
